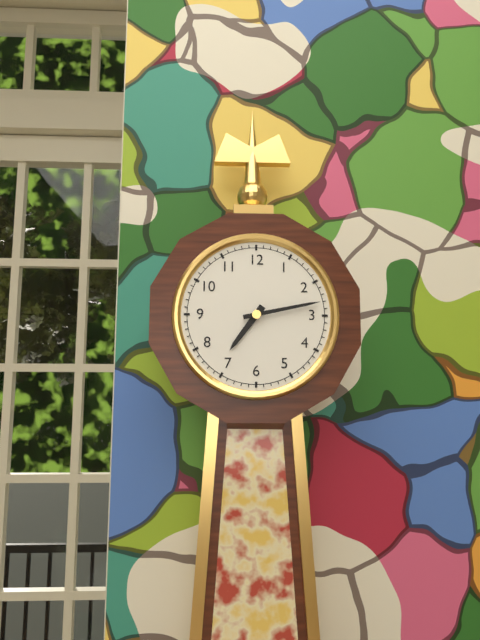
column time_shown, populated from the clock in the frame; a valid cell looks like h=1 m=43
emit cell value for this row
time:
h=7 m=13
